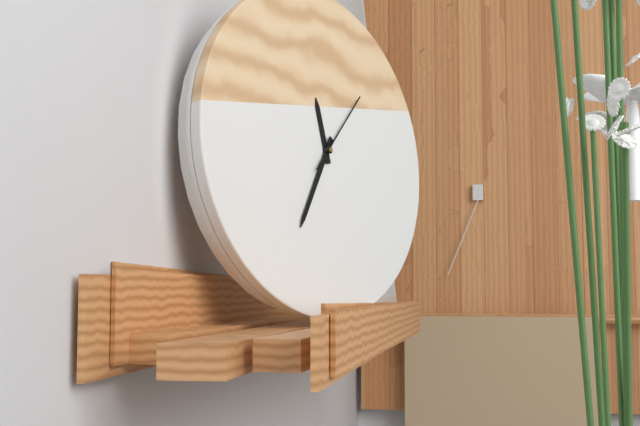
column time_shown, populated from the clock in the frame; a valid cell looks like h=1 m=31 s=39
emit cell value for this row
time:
h=11 m=35 s=7
